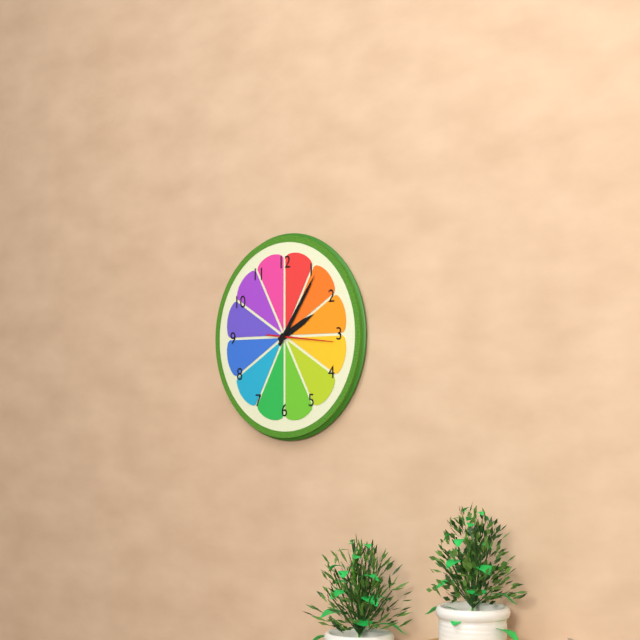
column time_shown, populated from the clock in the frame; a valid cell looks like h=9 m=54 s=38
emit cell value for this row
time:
h=2 m=6 s=16
